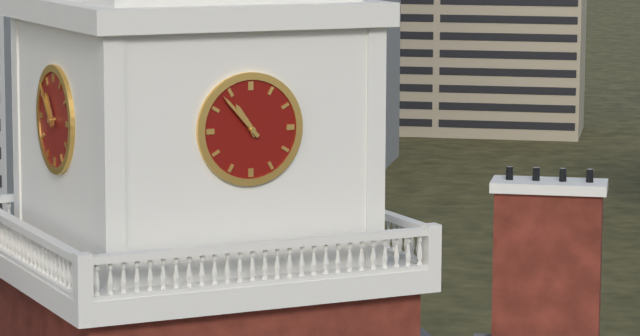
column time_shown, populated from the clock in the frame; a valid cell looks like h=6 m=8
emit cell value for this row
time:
h=10 m=53
